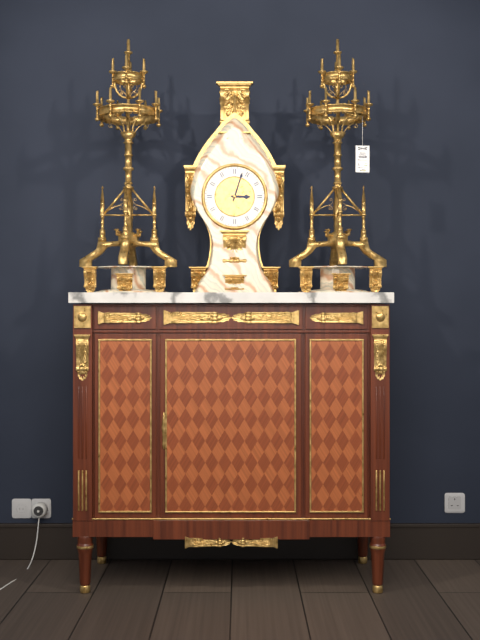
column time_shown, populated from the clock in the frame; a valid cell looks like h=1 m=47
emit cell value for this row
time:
h=3 m=3
